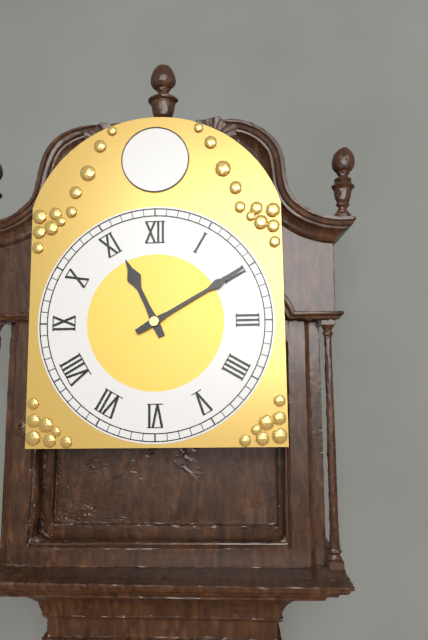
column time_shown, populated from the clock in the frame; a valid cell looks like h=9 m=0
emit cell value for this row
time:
h=11 m=10
